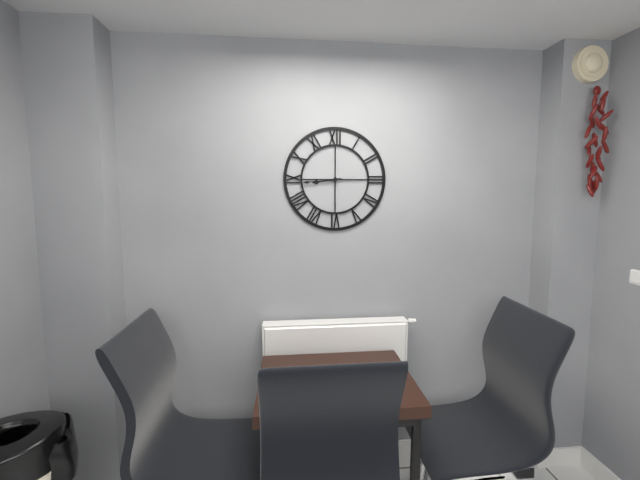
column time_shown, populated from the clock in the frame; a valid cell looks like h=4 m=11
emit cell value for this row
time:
h=8 m=44
